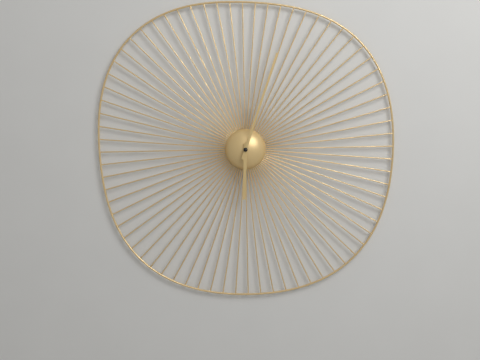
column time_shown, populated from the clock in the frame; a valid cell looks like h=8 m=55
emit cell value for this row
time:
h=6 m=3
